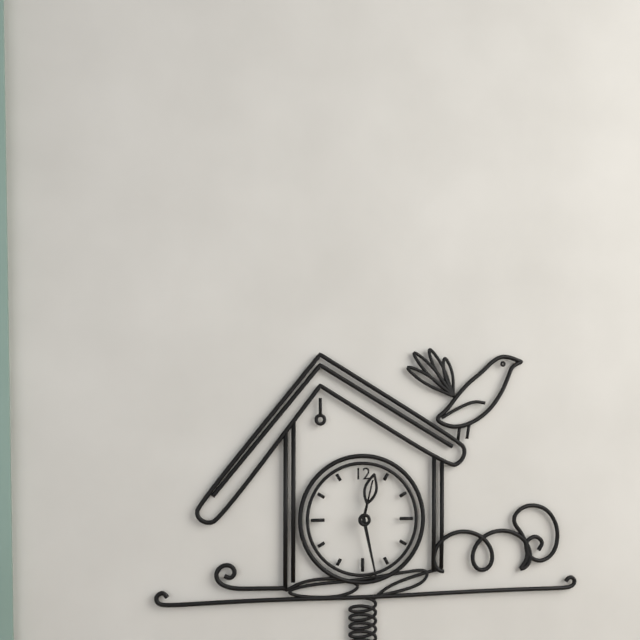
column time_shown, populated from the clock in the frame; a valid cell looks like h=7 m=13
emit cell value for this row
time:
h=12 m=28
